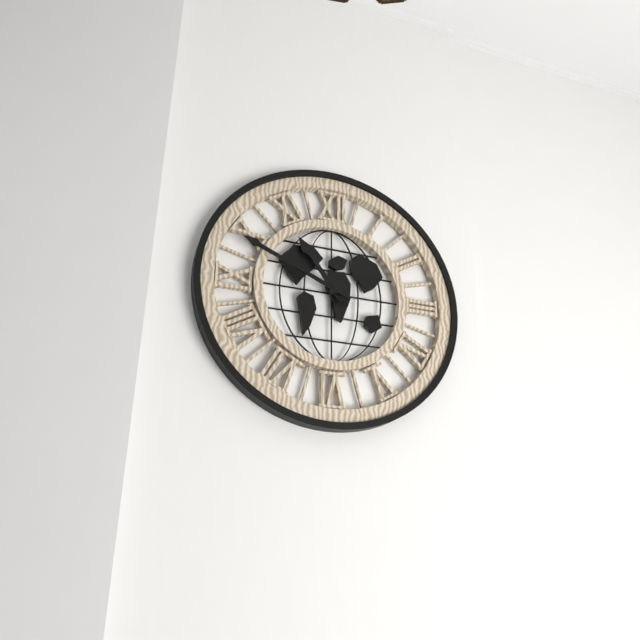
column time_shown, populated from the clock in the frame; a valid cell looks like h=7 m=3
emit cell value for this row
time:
h=10 m=49
